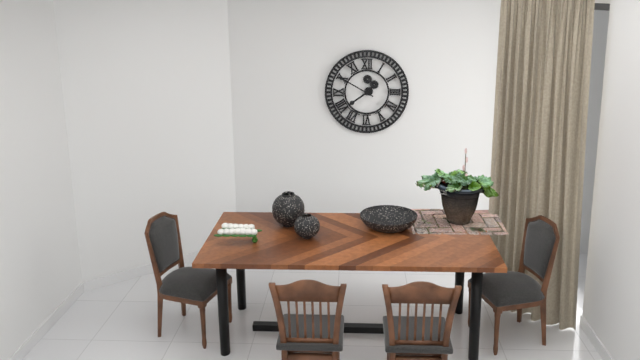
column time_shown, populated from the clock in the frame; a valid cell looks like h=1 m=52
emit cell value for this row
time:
h=7 m=50
